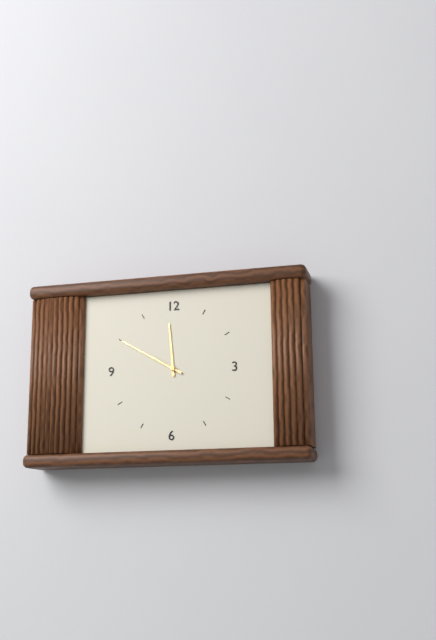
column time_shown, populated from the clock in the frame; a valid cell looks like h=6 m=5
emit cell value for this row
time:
h=11 m=50
